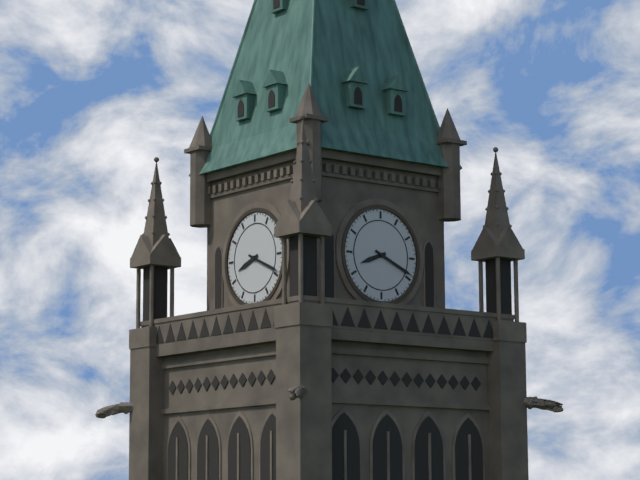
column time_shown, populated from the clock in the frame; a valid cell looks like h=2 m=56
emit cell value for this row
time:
h=8 m=19
